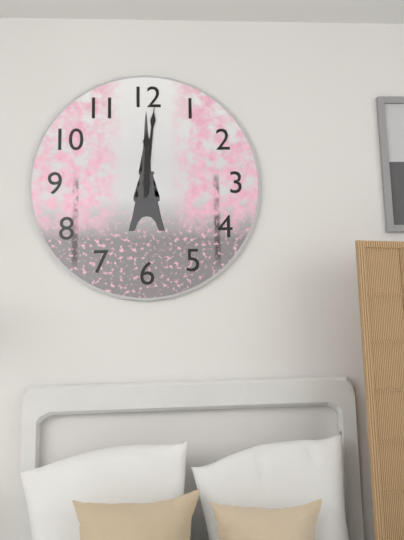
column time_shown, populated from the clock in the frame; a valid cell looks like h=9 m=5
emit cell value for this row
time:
h=12 m=1
